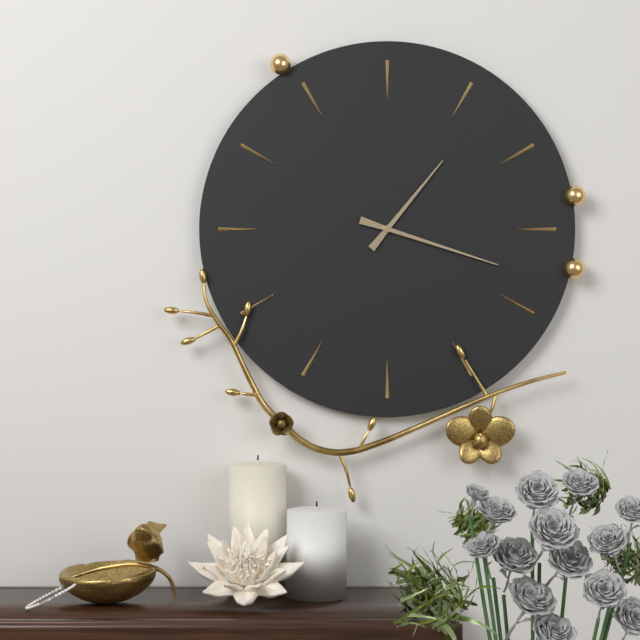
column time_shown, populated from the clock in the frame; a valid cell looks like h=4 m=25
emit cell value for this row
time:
h=1 m=18
